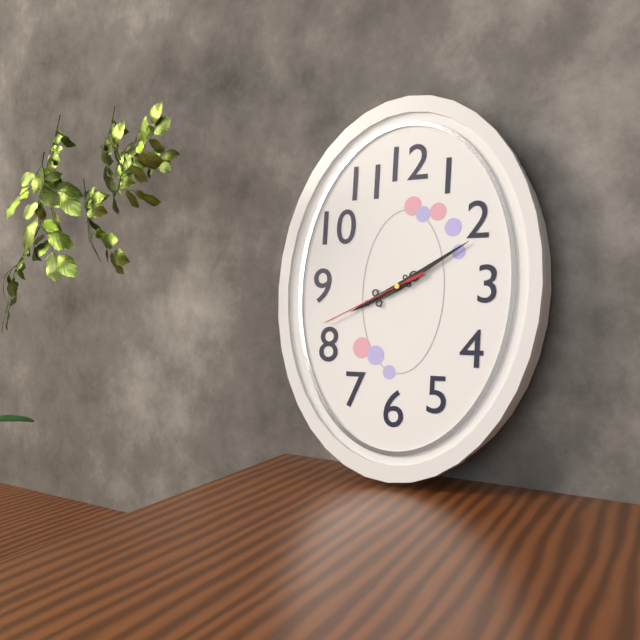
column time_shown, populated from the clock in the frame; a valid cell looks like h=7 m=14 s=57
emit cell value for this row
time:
h=8 m=10 s=41
